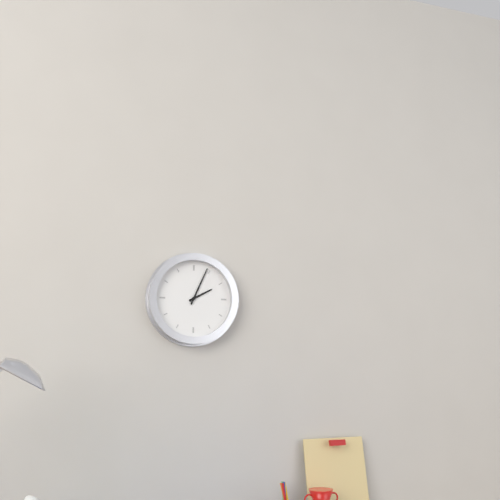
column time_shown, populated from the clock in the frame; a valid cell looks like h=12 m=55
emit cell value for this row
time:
h=2 m=4
